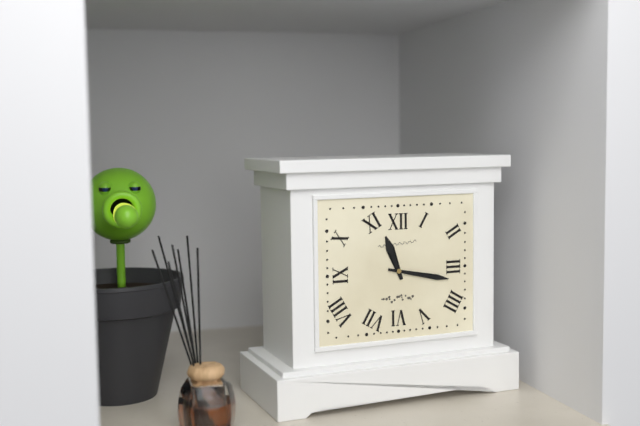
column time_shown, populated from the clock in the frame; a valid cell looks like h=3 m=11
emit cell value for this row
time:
h=11 m=17
